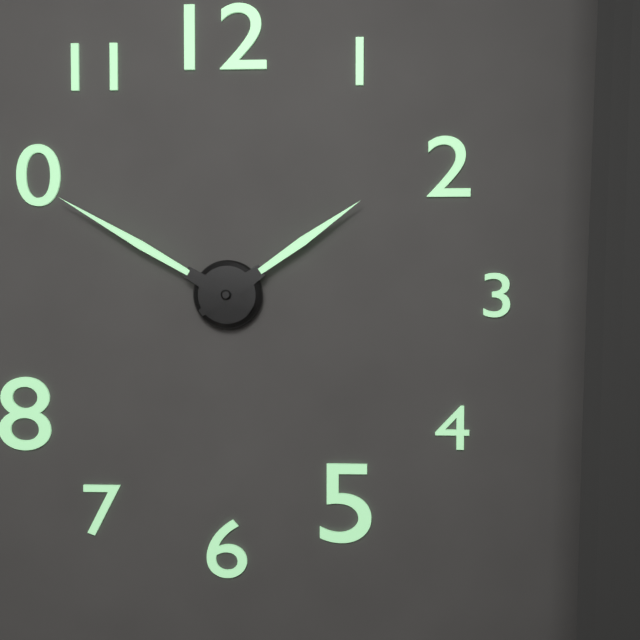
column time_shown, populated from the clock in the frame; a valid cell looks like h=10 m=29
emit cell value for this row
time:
h=1 m=50
